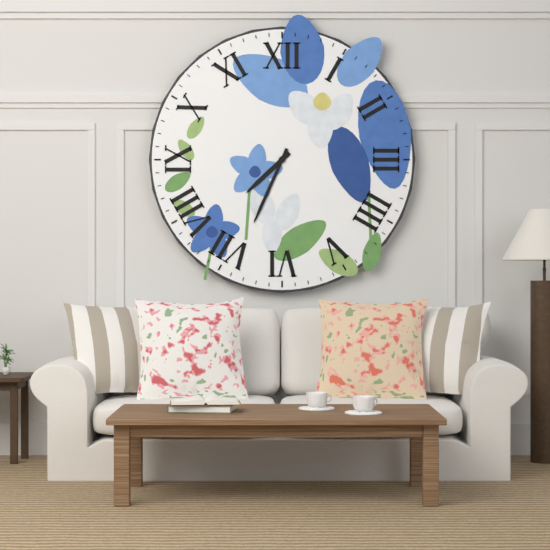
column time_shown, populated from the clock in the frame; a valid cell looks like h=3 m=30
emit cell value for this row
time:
h=7 m=34
